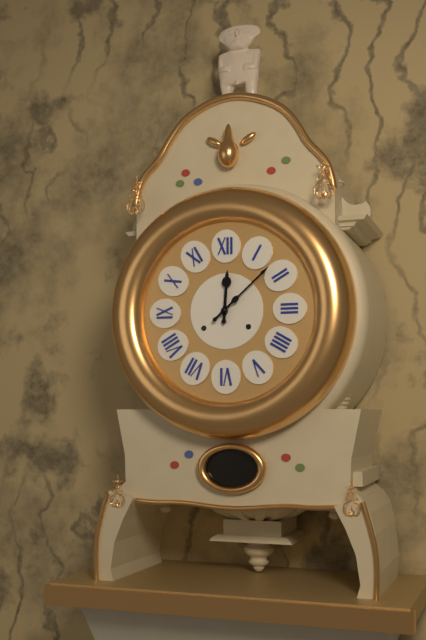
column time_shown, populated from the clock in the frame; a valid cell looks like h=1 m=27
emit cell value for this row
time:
h=12 m=8
